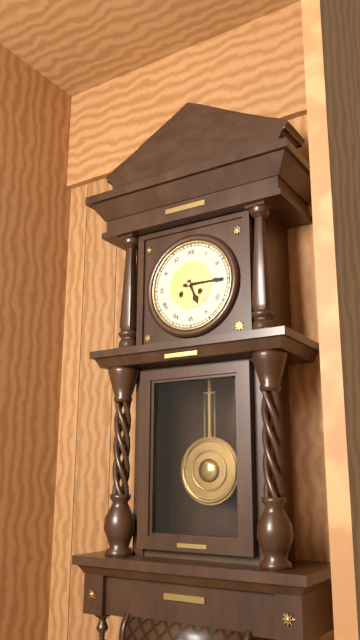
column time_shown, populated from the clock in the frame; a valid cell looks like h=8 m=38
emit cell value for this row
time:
h=5 m=15
